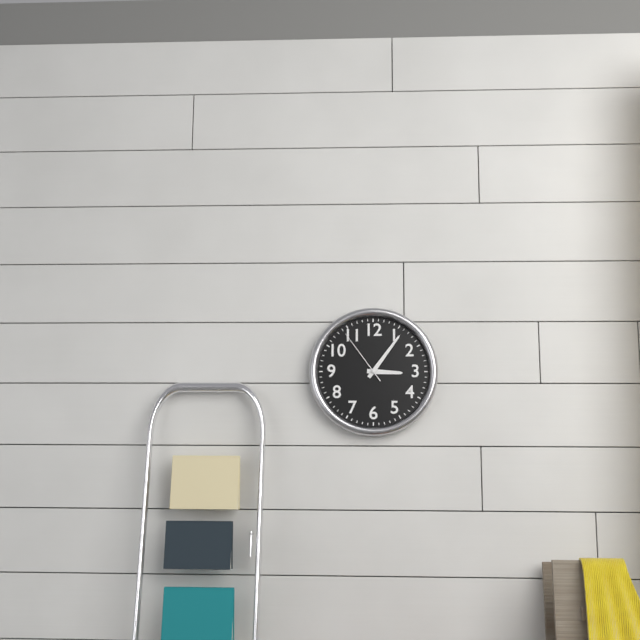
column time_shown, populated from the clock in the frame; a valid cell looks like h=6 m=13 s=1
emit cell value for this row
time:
h=3 m=6 s=54
